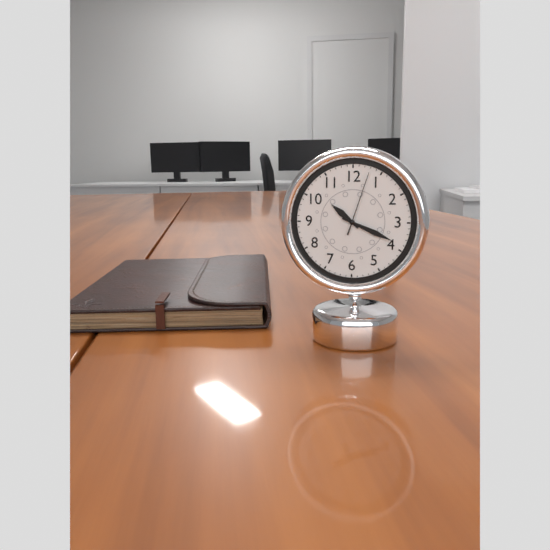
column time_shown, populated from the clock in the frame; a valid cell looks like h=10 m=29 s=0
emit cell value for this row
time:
h=10 m=19 s=3
